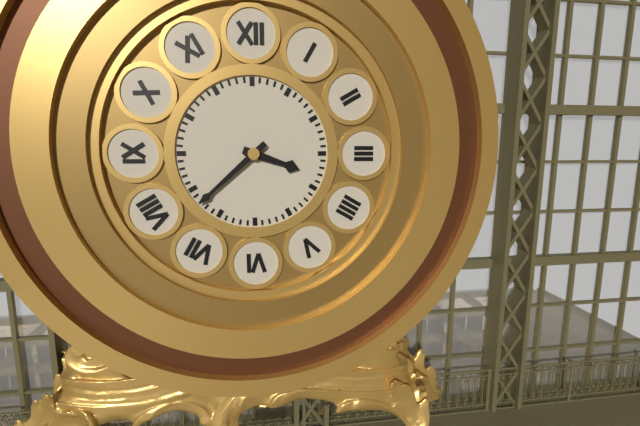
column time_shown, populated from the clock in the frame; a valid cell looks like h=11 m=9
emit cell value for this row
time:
h=3 m=38
